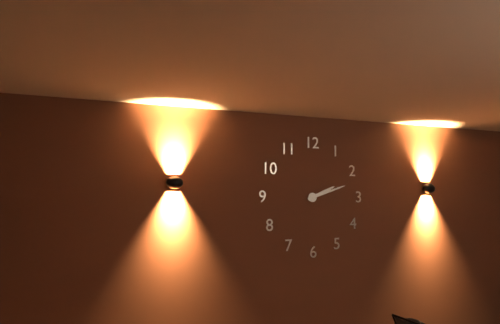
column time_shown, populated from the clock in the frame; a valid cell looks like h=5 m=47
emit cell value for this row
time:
h=2 m=12
